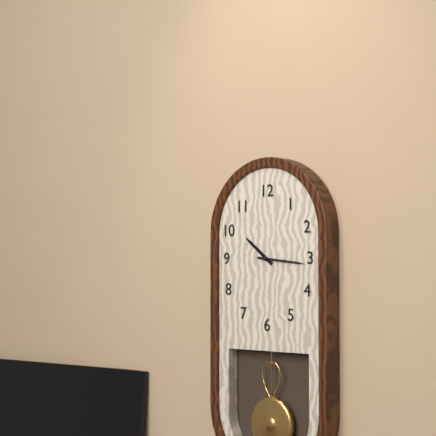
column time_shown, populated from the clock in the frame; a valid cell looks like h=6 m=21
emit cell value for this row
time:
h=10 m=16
